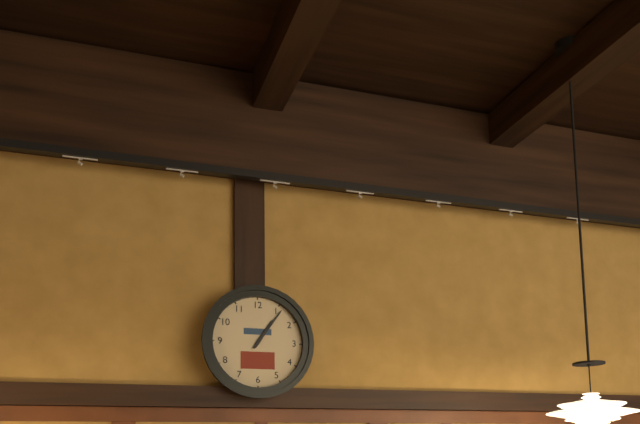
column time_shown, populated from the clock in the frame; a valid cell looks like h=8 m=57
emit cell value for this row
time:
h=1 m=6
